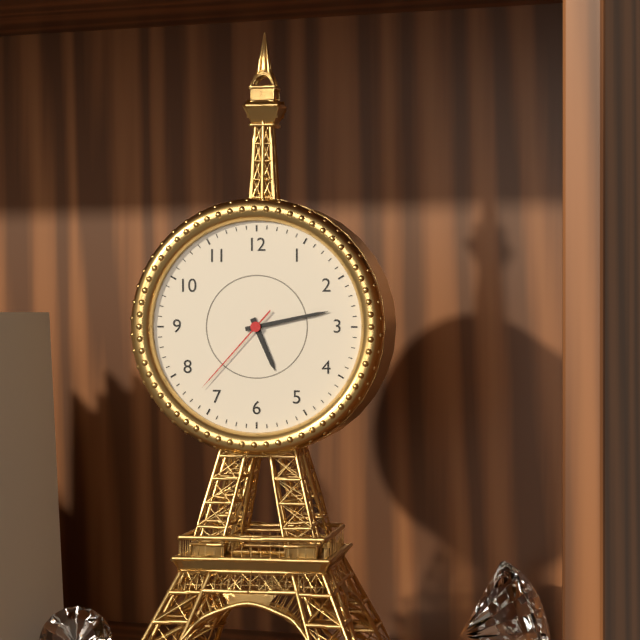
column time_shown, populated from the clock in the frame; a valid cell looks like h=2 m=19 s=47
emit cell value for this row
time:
h=5 m=13 s=37
